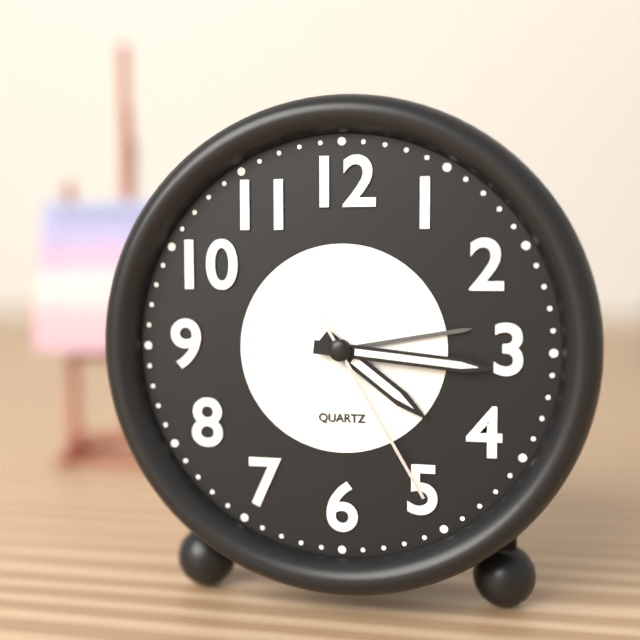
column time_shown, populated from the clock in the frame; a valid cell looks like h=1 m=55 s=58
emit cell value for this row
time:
h=4 m=16 s=25
